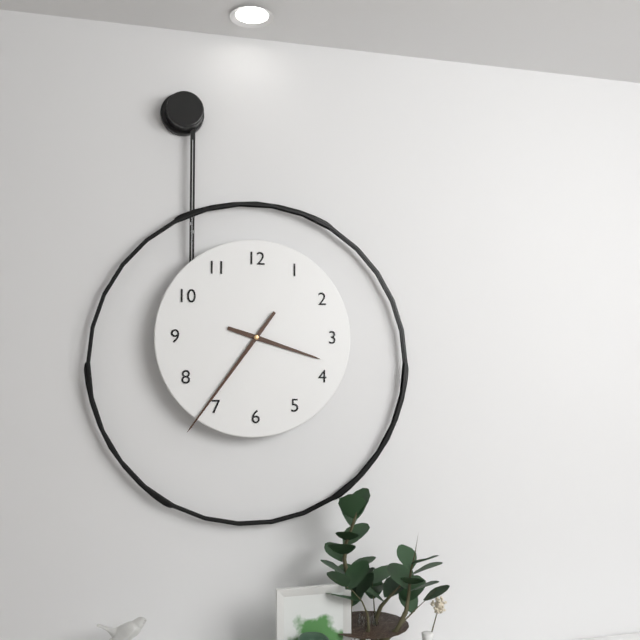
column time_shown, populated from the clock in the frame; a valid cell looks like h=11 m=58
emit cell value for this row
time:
h=3 m=36
